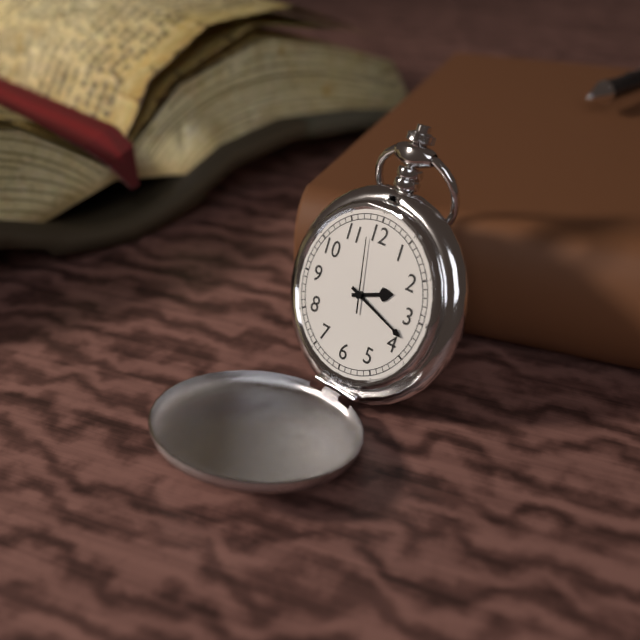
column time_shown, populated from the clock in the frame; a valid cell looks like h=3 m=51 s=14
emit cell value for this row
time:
h=2 m=18 s=58
